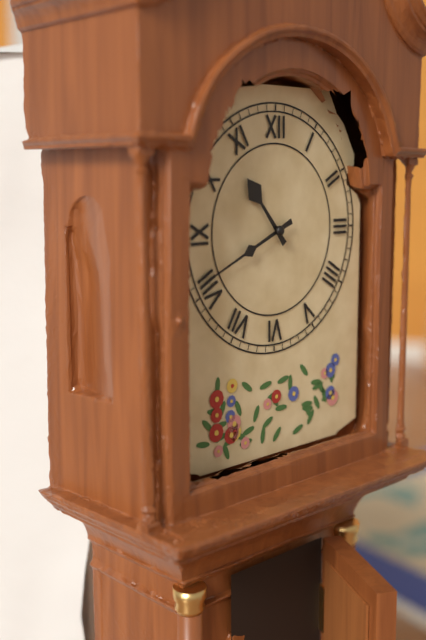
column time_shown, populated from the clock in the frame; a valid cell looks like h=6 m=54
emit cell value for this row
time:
h=10 m=41
